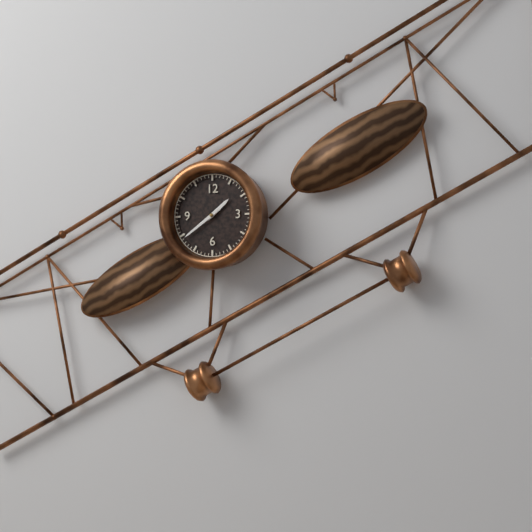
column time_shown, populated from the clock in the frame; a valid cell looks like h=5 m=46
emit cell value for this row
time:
h=1 m=39
